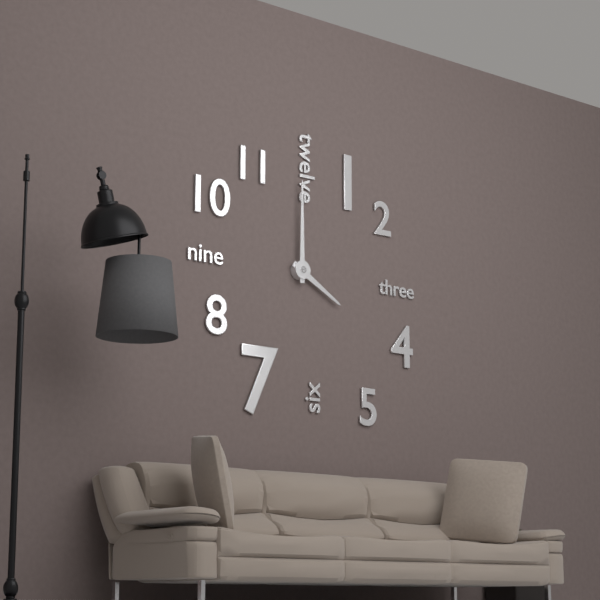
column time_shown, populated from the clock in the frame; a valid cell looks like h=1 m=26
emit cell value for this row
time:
h=4 m=0
